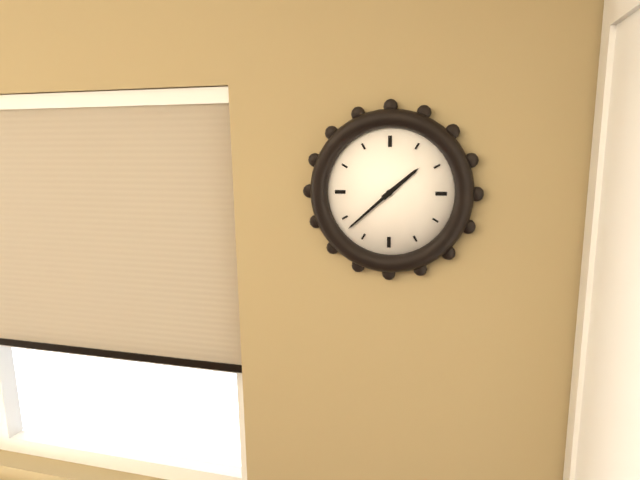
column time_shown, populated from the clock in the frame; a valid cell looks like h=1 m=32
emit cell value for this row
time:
h=1 m=38
